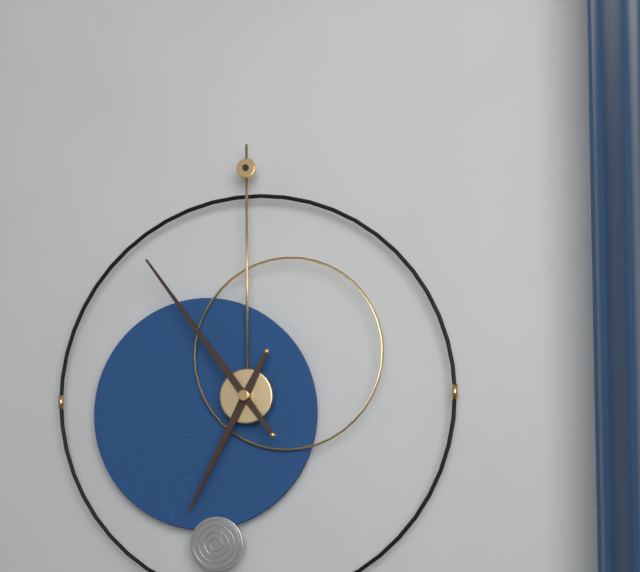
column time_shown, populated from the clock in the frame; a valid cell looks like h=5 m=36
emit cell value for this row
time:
h=6 m=54
